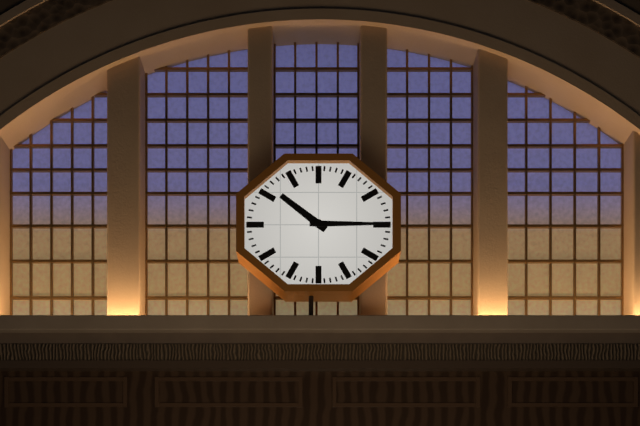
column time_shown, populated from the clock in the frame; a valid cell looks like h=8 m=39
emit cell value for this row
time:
h=10 m=15
